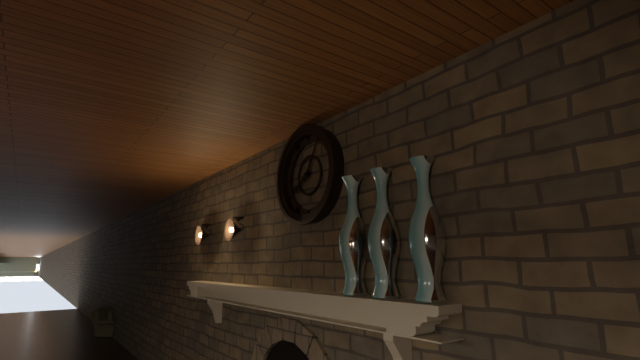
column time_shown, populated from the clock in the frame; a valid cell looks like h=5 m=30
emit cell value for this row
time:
h=8 m=5
